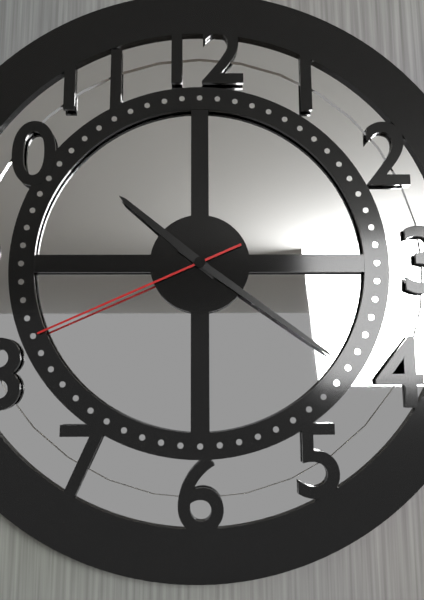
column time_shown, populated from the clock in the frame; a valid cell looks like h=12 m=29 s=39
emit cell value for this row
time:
h=10 m=21 s=41
